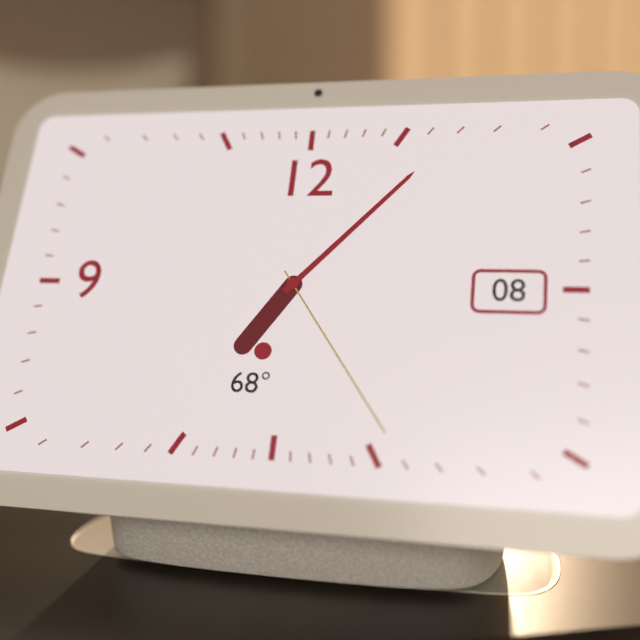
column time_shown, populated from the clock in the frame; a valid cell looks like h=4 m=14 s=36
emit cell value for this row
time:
h=7 m=7 s=24
